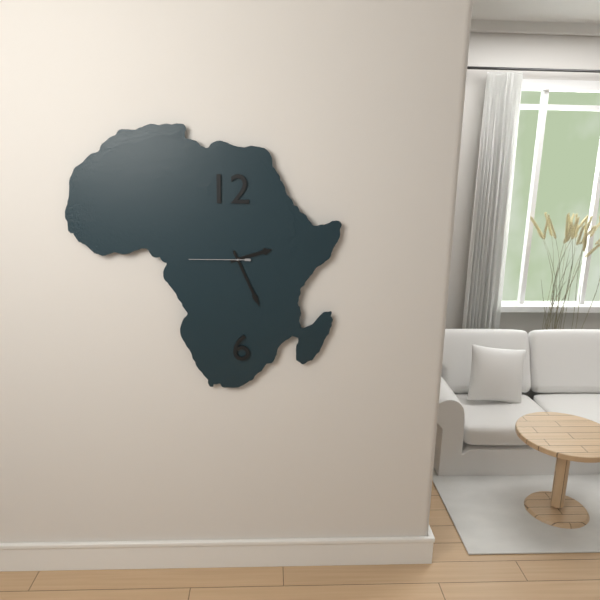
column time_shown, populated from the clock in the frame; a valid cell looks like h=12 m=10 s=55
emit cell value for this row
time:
h=2 m=26 s=45
